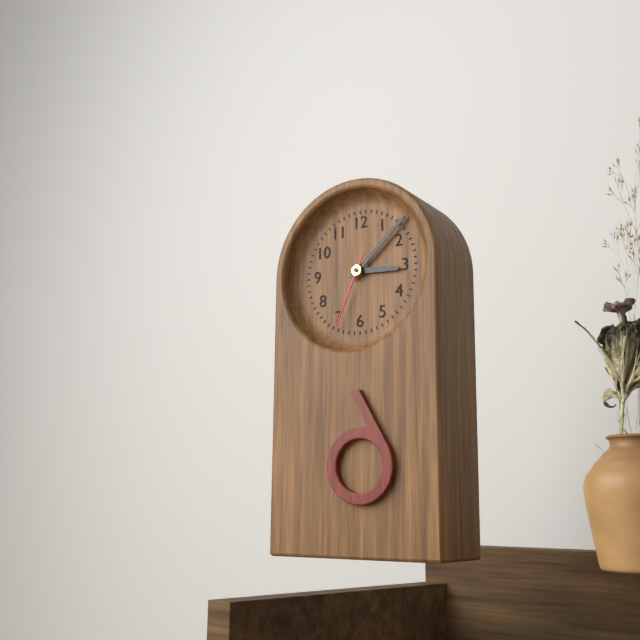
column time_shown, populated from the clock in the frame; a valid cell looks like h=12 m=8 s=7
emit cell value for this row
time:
h=3 m=8 s=34
